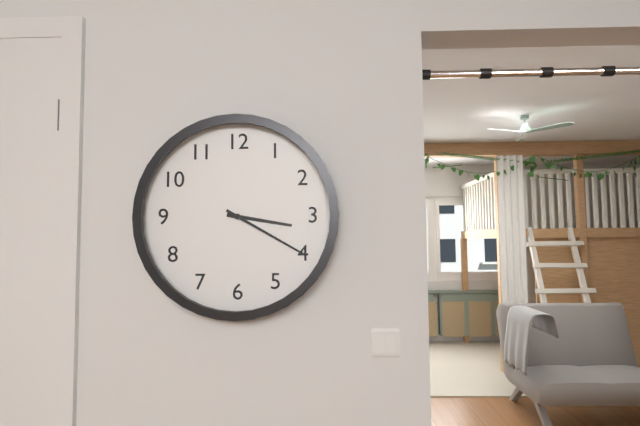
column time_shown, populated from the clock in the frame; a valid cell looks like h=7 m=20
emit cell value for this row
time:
h=3 m=20
